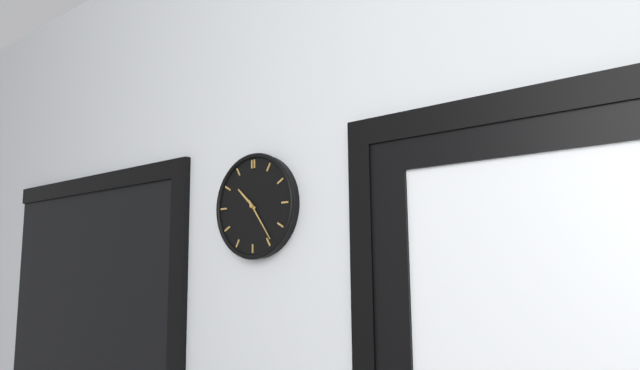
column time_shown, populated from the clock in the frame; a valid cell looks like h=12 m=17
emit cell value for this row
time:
h=10 m=24
